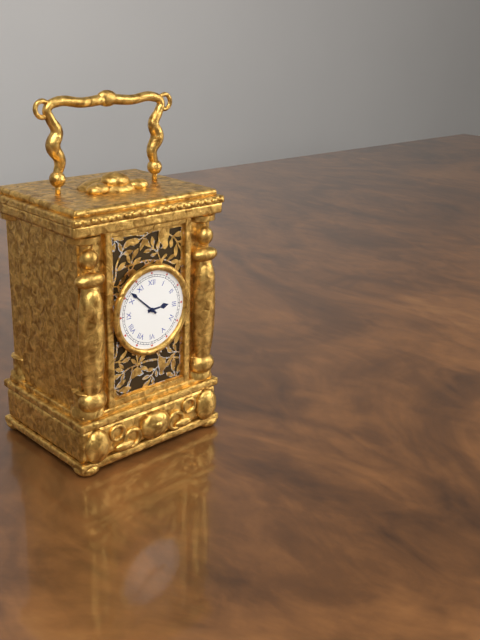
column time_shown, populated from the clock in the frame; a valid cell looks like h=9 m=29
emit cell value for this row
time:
h=2 m=52
